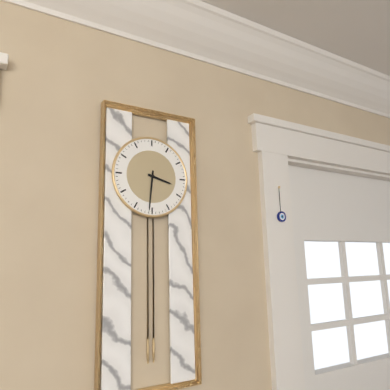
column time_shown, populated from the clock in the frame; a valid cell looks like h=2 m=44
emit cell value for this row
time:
h=3 m=31
